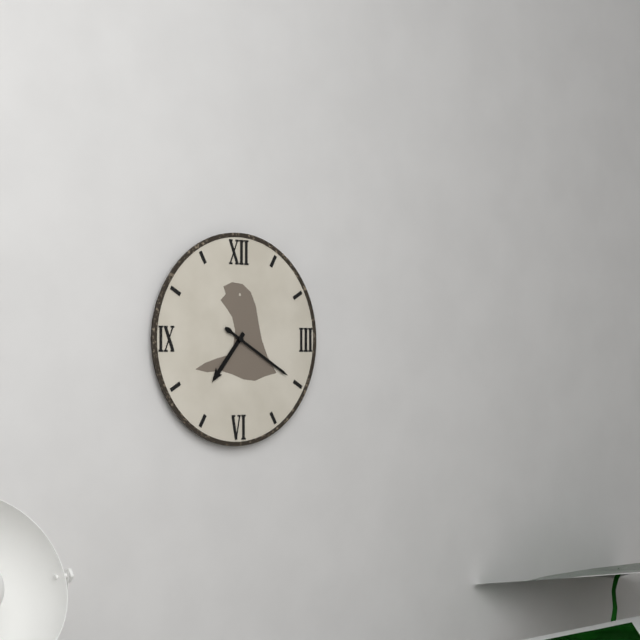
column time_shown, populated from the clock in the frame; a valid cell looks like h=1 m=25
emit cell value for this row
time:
h=7 m=20
